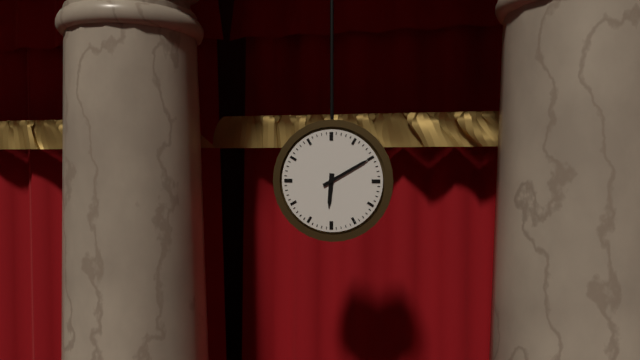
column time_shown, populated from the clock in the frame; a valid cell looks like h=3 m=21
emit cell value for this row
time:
h=6 m=10
